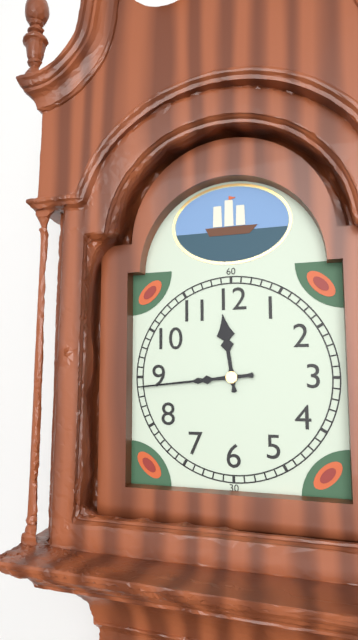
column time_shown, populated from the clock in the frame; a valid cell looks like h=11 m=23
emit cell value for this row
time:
h=11 m=44
